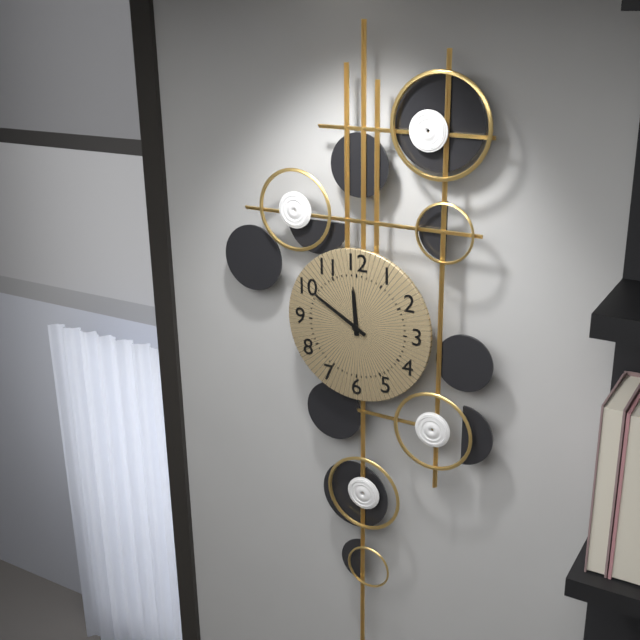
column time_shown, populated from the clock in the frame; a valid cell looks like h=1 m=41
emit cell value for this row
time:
h=11 m=50
